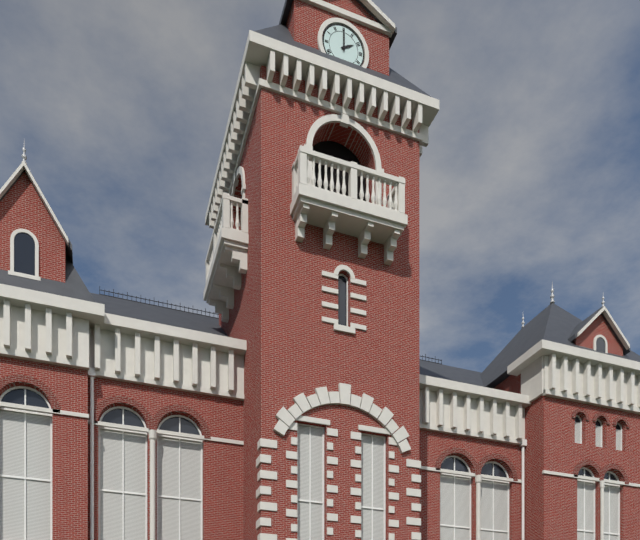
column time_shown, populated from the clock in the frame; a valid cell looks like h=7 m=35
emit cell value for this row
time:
h=2 m=0
